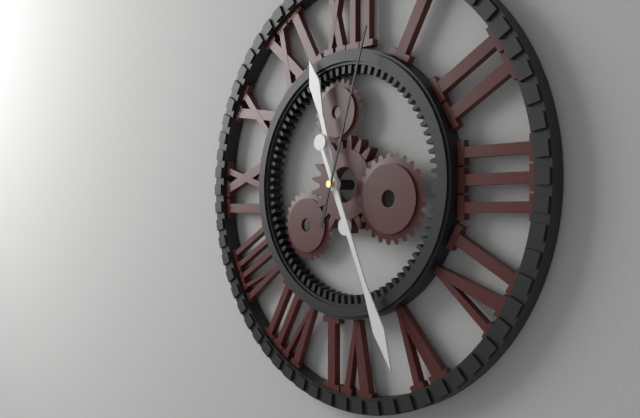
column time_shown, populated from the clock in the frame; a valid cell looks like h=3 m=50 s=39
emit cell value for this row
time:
h=11 m=26 s=3
